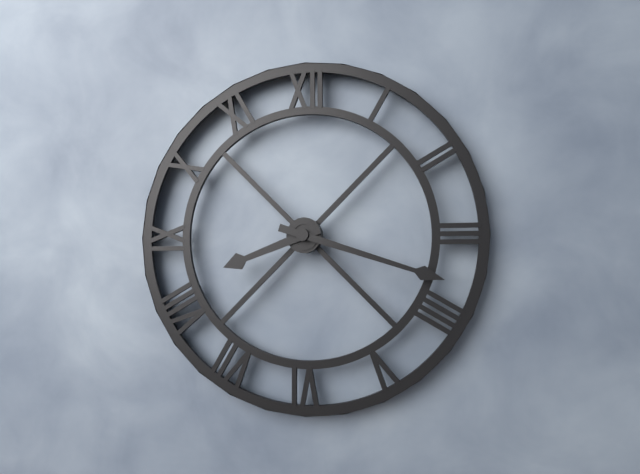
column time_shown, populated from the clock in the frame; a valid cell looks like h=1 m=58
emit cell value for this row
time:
h=8 m=18
